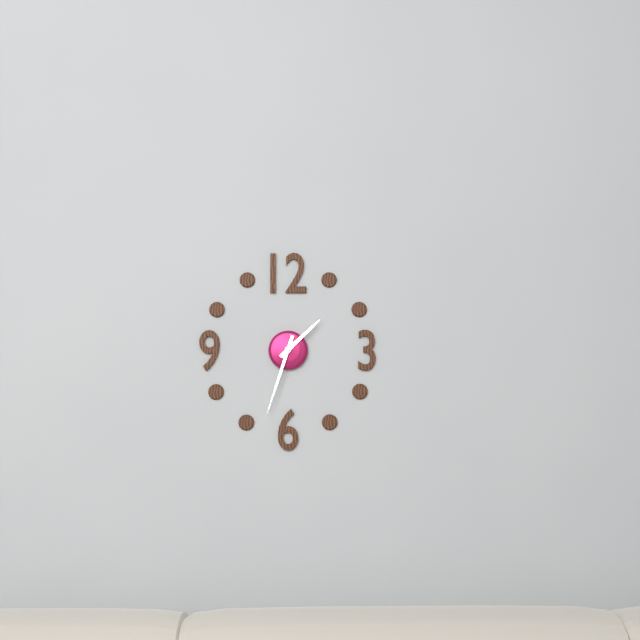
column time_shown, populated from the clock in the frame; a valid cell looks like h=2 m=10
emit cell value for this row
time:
h=1 m=33
